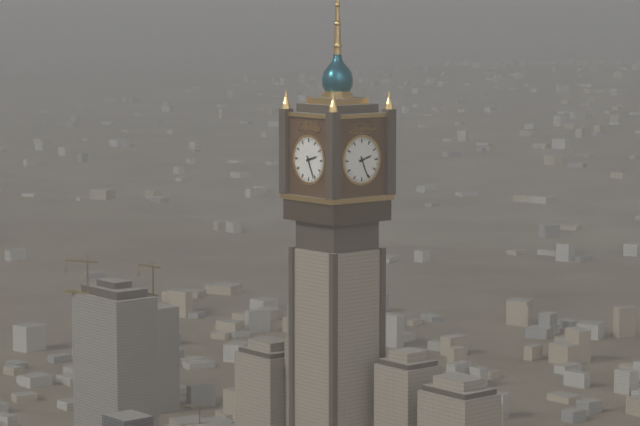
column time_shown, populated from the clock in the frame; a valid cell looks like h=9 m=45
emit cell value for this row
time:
h=2 m=26
